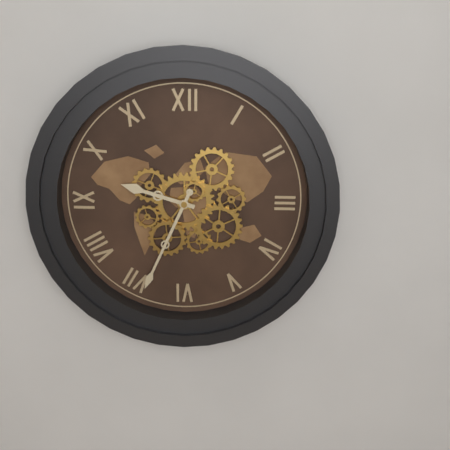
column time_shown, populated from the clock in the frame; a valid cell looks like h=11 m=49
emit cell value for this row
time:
h=9 m=34
